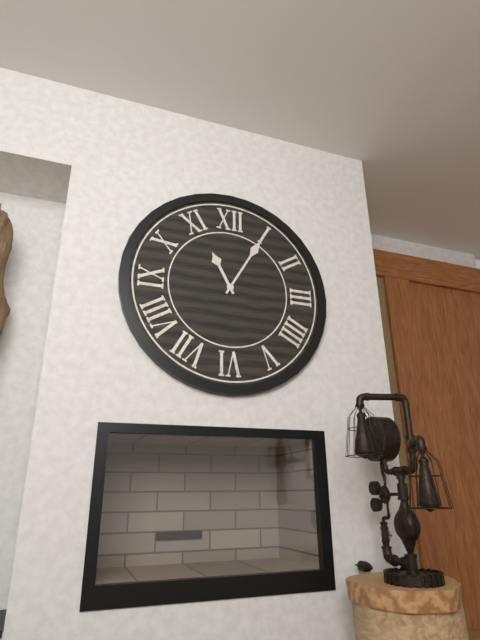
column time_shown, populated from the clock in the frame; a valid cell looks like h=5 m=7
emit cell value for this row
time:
h=11 m=5
